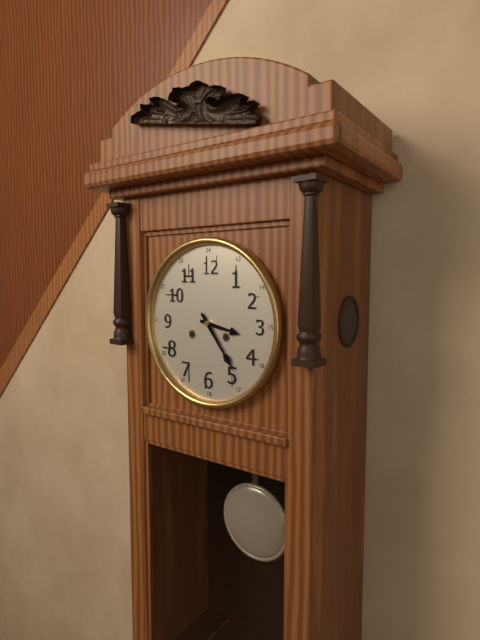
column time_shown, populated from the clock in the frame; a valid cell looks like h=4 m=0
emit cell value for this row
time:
h=3 m=24
